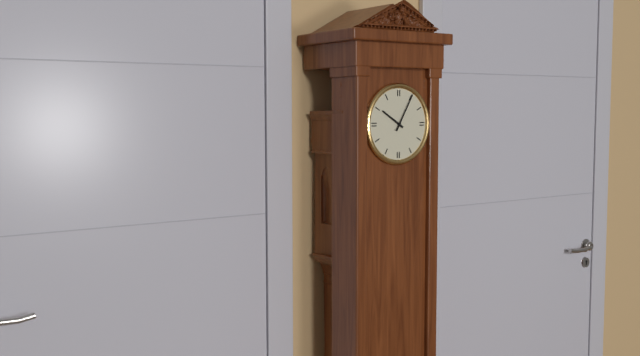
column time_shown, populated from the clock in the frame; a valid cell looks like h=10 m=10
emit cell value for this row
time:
h=10 m=5
